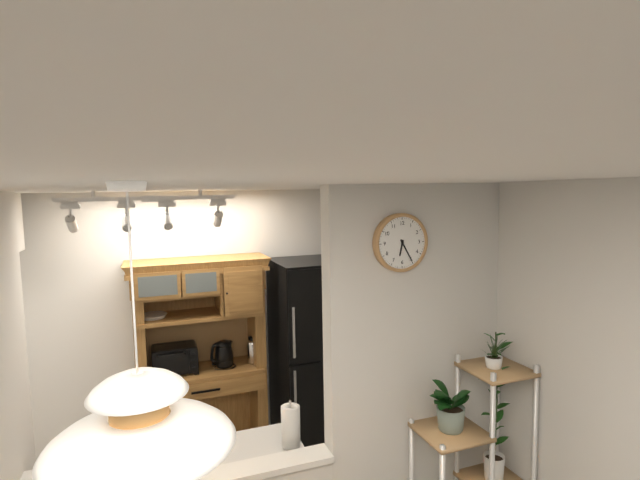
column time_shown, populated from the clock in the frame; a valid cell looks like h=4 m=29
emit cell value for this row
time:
h=6 m=25
